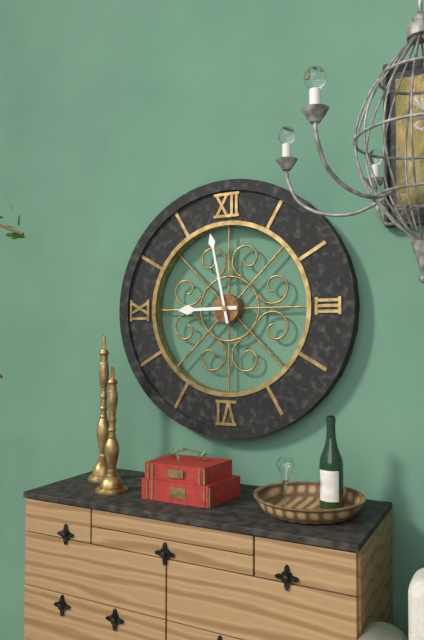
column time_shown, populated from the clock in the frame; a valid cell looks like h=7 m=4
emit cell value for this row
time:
h=8 m=58
